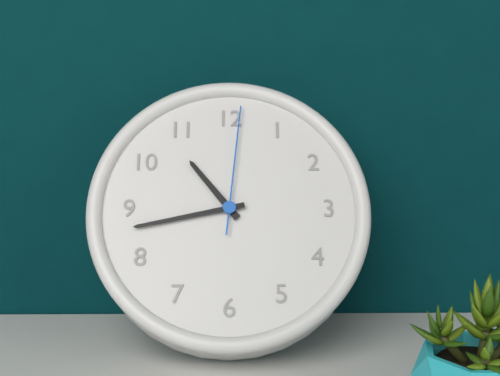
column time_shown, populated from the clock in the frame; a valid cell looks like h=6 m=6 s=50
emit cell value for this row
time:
h=10 m=43 s=1
